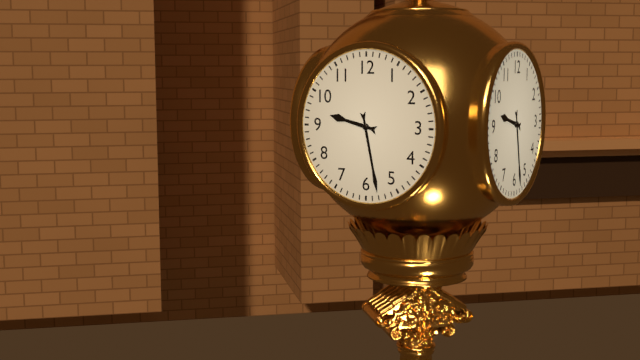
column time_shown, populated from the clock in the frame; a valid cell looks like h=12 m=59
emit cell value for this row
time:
h=9 m=28
